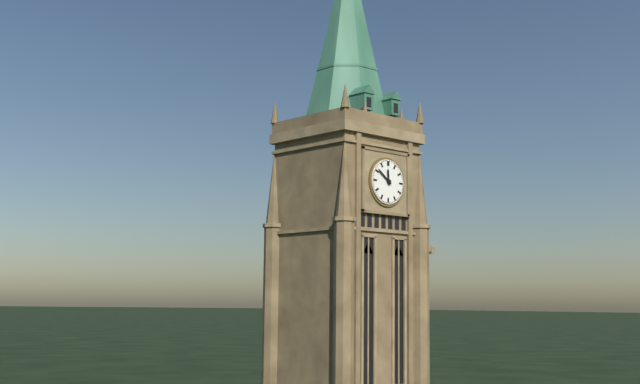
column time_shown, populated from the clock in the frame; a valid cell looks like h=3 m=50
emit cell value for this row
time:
h=11 m=51
